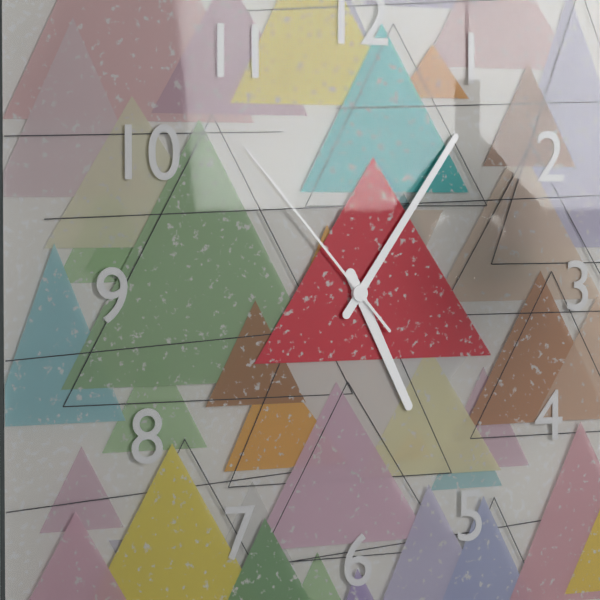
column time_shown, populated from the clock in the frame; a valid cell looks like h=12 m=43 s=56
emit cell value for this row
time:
h=5 m=6 s=53
